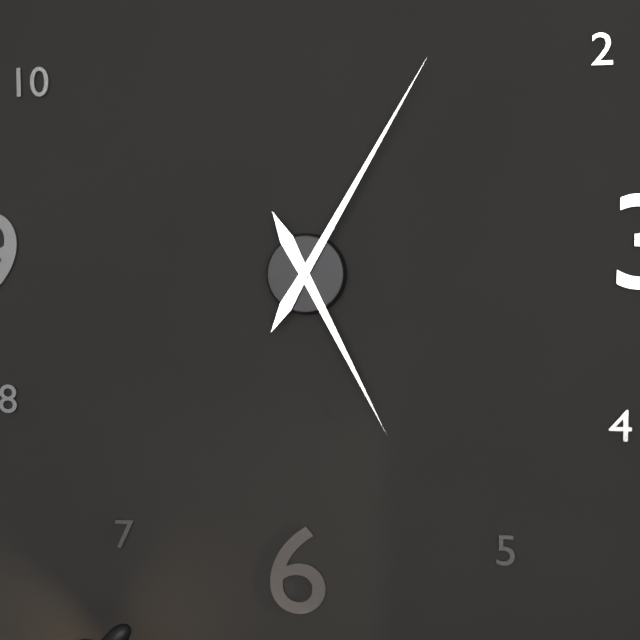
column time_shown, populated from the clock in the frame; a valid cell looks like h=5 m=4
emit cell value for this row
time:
h=5 m=5
